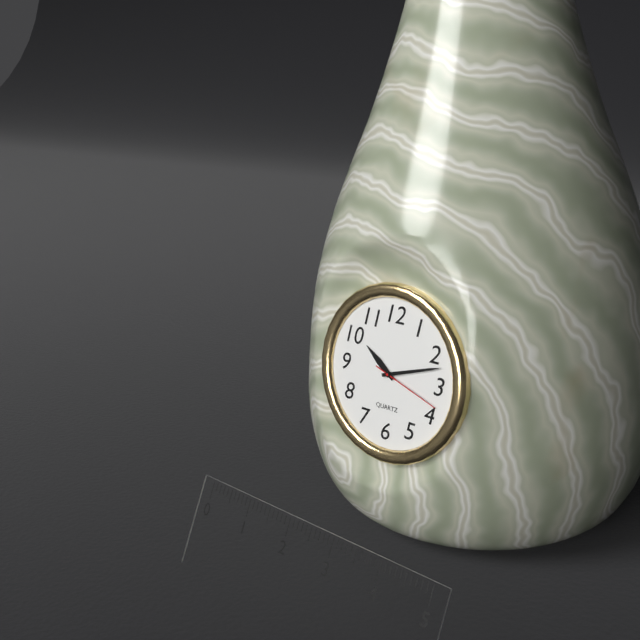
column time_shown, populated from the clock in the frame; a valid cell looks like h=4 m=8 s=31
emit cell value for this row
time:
h=10 m=12 s=18
